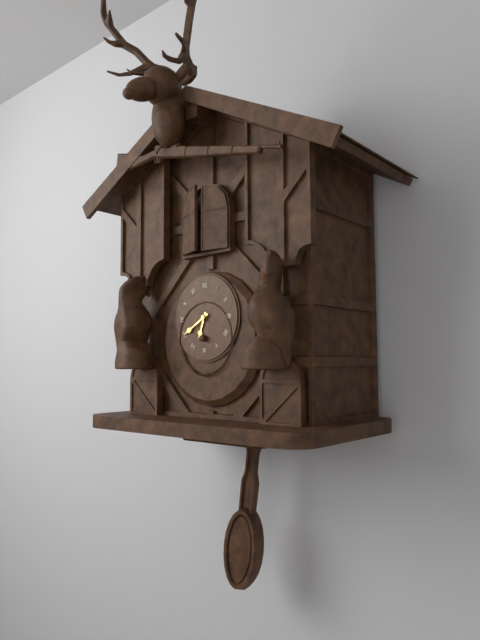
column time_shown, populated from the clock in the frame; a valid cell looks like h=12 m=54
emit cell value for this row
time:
h=6 m=40
